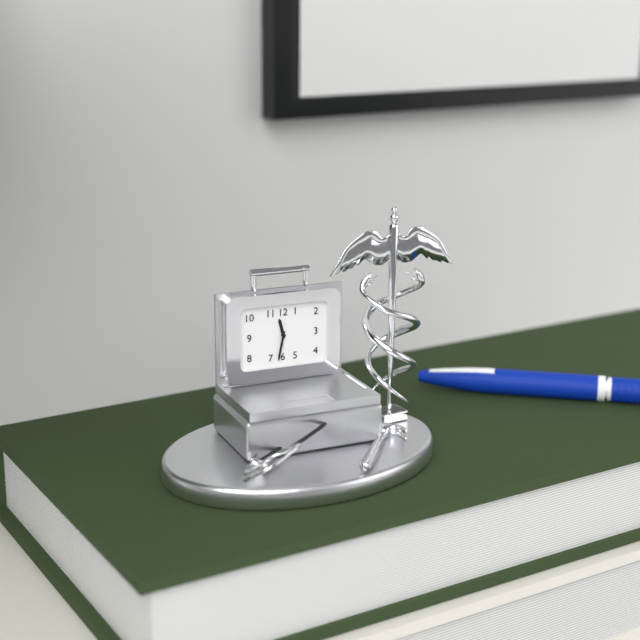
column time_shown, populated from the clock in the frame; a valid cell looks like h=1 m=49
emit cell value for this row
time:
h=11 m=32
